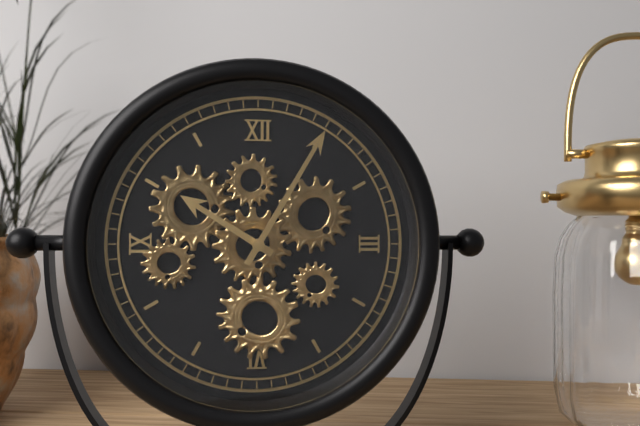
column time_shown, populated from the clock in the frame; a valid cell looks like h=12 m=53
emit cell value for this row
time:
h=10 m=5
